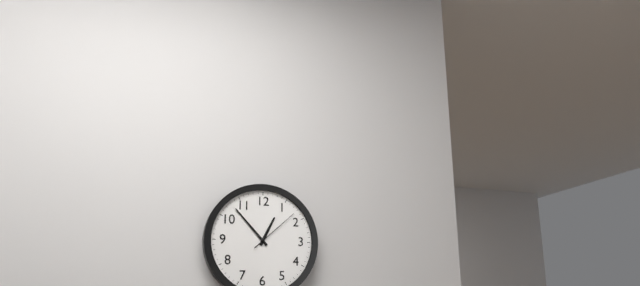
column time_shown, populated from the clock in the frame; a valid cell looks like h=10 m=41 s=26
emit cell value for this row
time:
h=12 m=53 s=8
